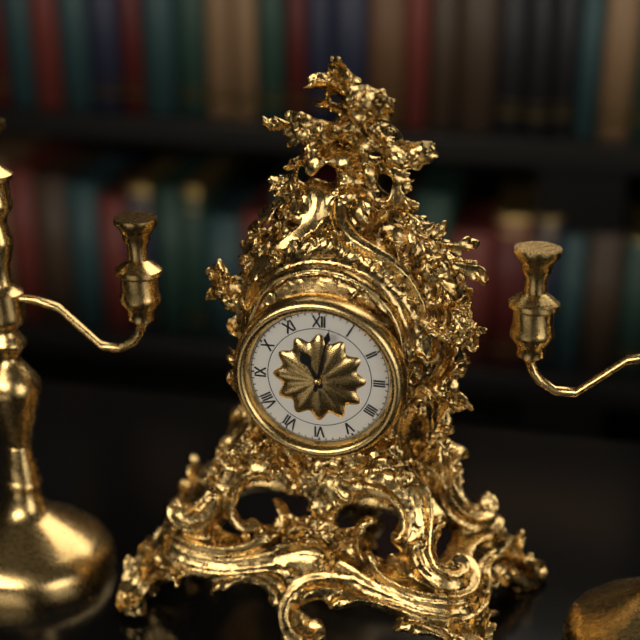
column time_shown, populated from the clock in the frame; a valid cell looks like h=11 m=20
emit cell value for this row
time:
h=11 m=2
